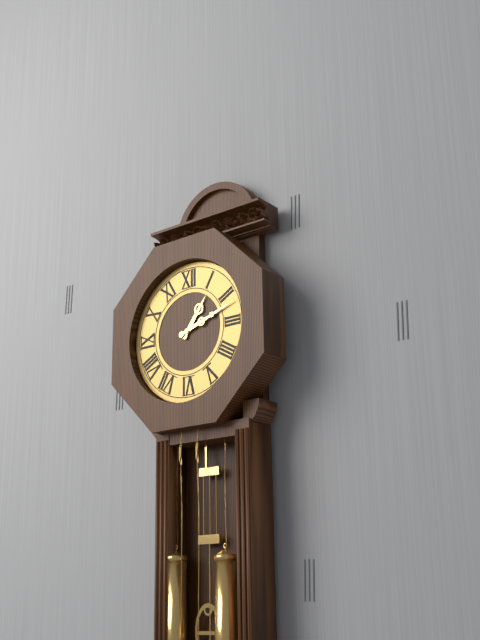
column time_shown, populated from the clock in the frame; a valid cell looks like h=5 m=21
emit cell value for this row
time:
h=1 m=12
